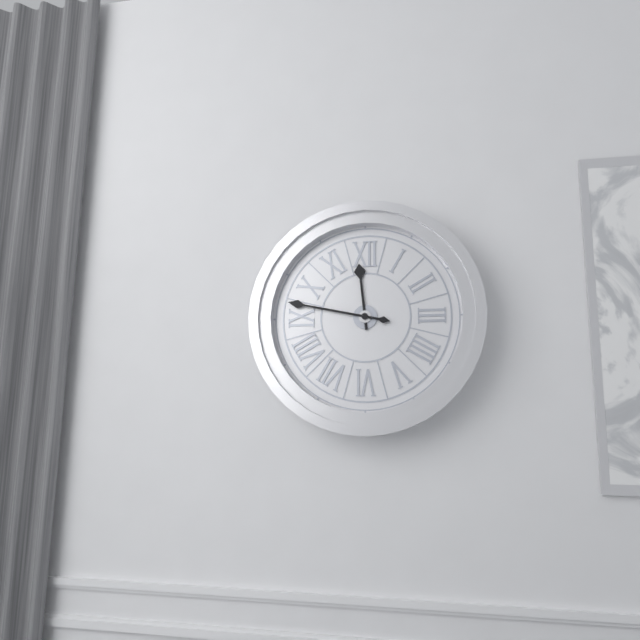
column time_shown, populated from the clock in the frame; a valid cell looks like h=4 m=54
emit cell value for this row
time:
h=11 m=47
